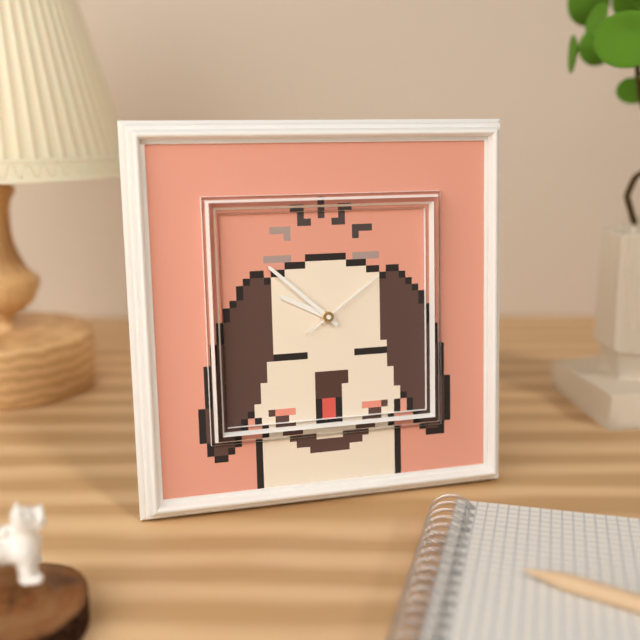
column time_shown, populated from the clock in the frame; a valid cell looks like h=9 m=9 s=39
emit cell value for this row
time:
h=9 m=52 s=9
